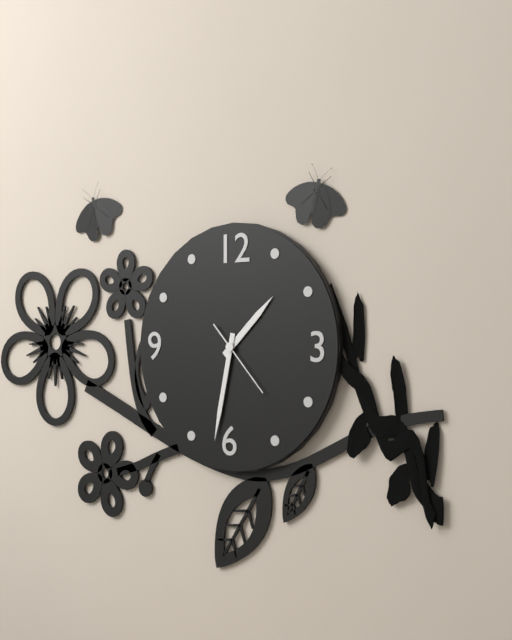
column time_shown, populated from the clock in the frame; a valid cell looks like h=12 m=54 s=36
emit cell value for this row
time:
h=1 m=32 s=23
